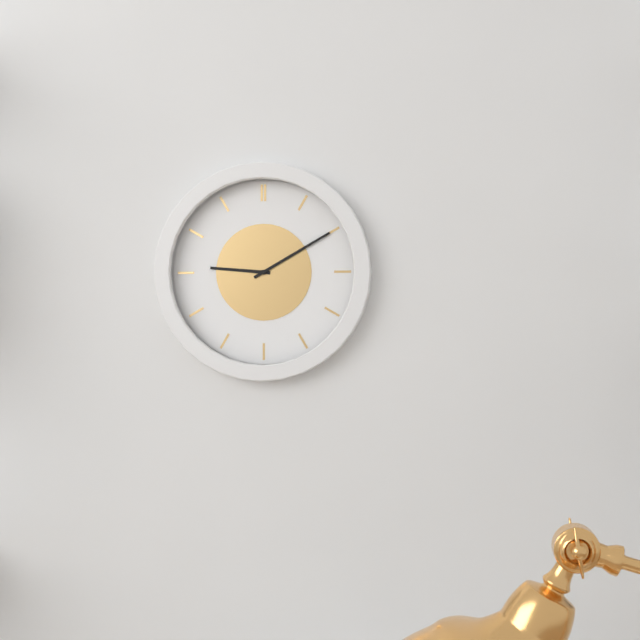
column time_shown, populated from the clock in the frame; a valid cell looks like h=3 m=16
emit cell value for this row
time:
h=9 m=10
